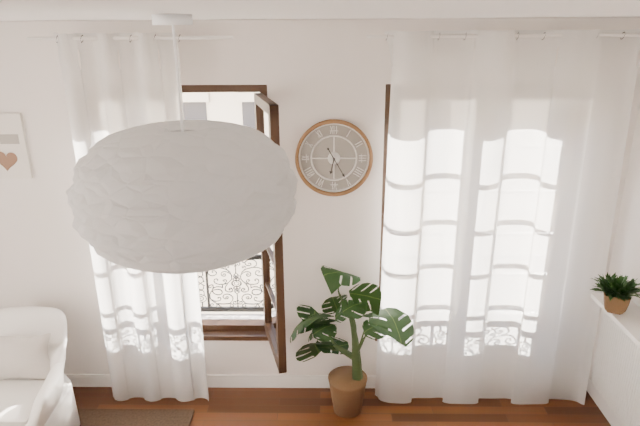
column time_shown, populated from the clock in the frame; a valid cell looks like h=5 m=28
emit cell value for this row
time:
h=6 m=25
